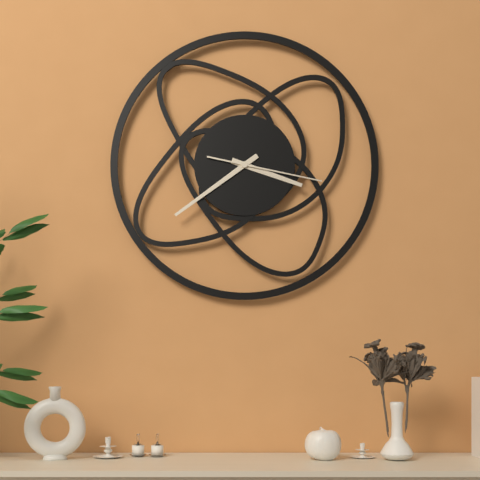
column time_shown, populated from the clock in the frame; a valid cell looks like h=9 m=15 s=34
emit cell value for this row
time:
h=3 m=39 s=17
